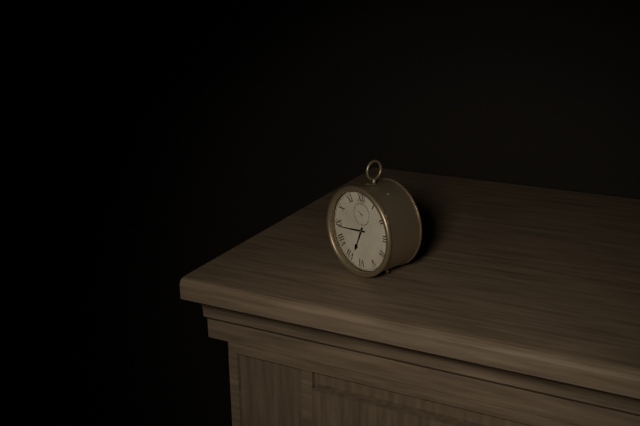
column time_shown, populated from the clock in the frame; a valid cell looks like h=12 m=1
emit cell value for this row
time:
h=6 m=44
